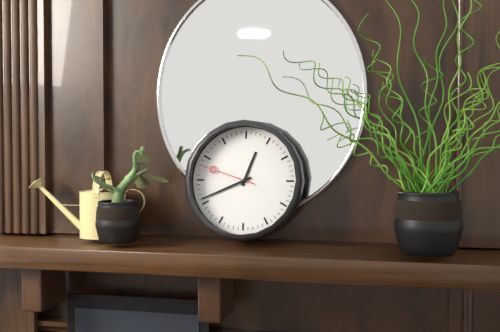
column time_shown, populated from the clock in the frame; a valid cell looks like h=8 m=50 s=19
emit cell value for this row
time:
h=12 m=41 s=48
